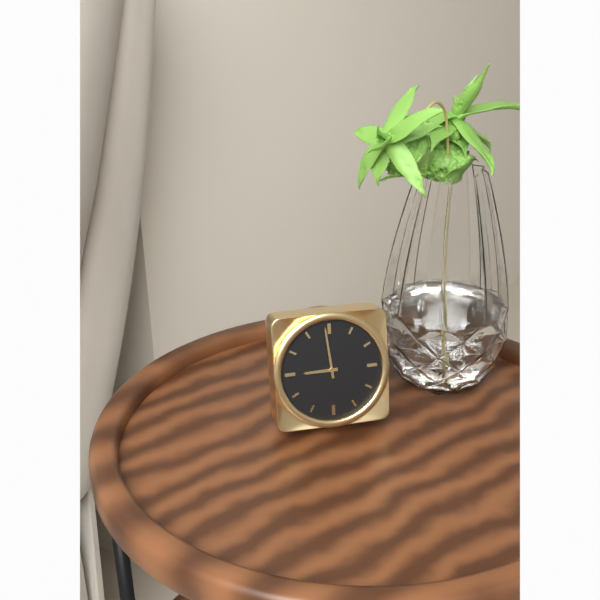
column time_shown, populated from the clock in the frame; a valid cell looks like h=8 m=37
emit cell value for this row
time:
h=8 m=59
